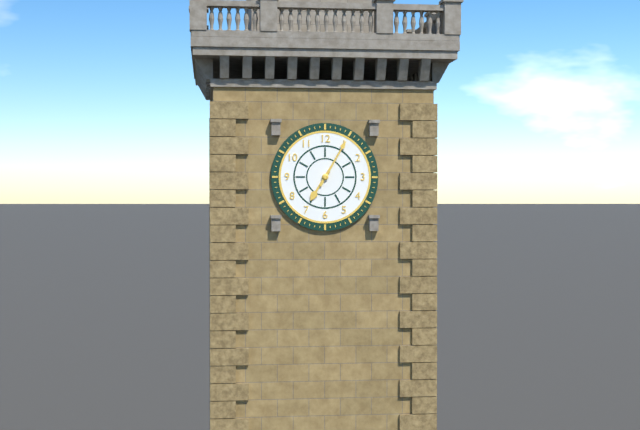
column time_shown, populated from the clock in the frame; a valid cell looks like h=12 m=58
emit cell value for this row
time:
h=7 m=5
